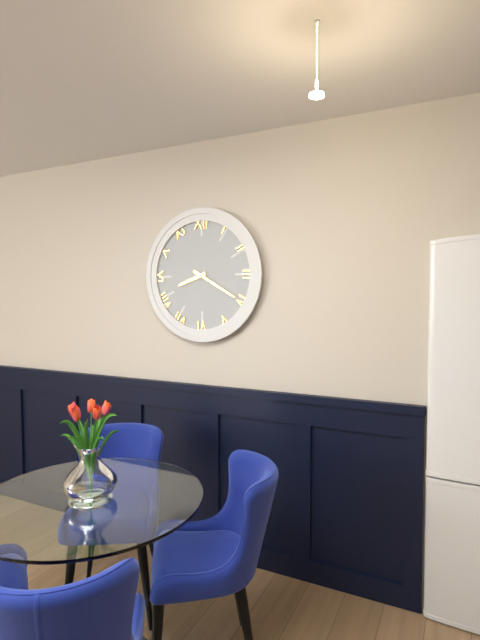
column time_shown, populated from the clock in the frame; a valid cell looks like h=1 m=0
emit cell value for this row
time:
h=8 m=20
